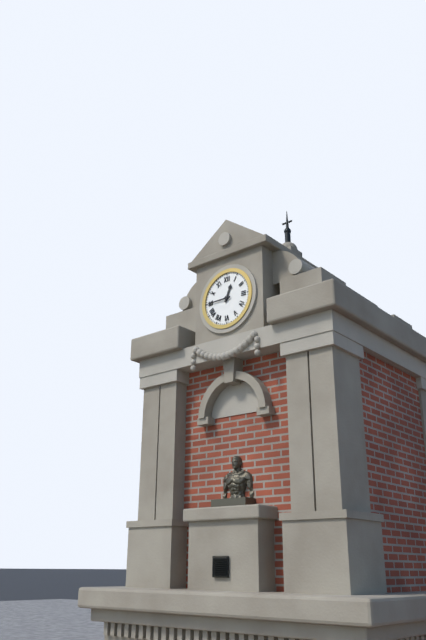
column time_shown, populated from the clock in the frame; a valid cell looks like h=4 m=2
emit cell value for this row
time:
h=12 m=45
